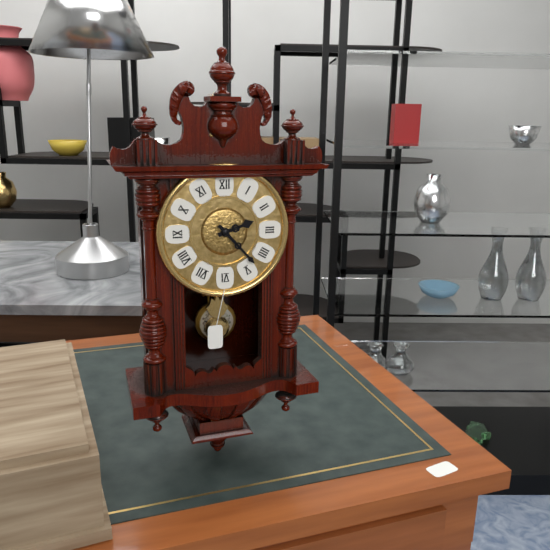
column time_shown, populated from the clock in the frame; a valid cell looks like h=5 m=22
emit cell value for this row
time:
h=2 m=23
